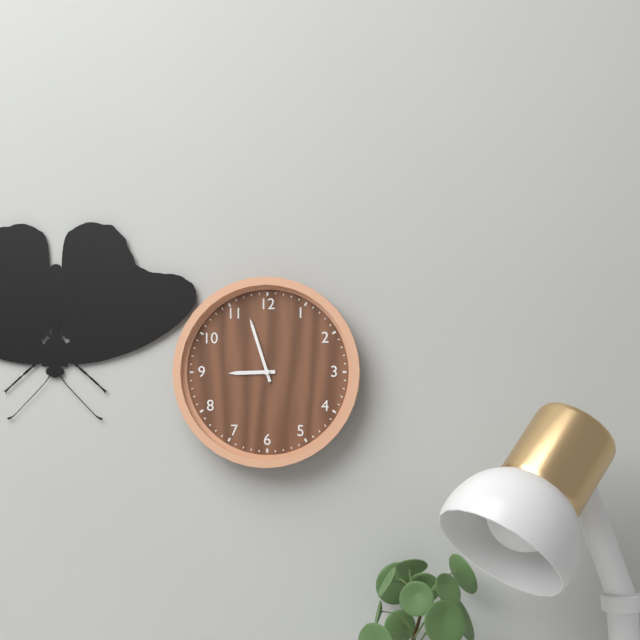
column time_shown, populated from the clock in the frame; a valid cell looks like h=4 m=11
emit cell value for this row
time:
h=8 m=57
